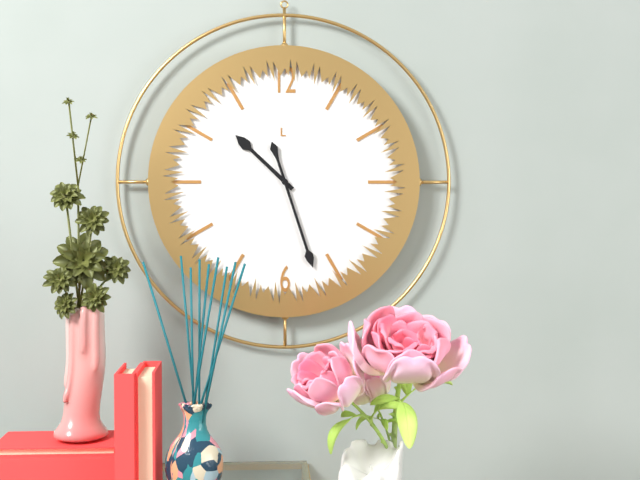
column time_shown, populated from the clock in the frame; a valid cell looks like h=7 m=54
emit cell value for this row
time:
h=10 m=27
